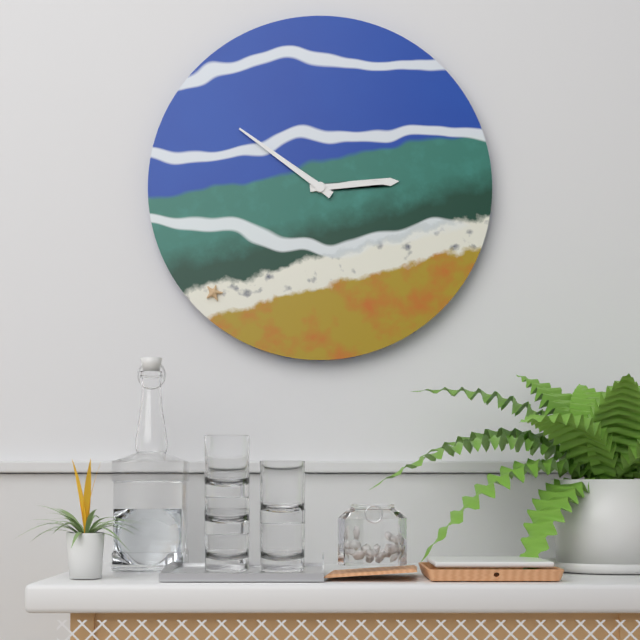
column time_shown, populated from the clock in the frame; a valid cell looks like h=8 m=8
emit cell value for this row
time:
h=2 m=51
